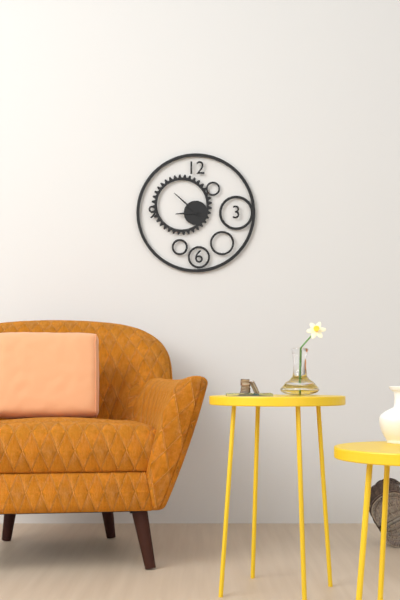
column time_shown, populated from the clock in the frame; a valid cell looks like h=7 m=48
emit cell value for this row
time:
h=8 m=52
